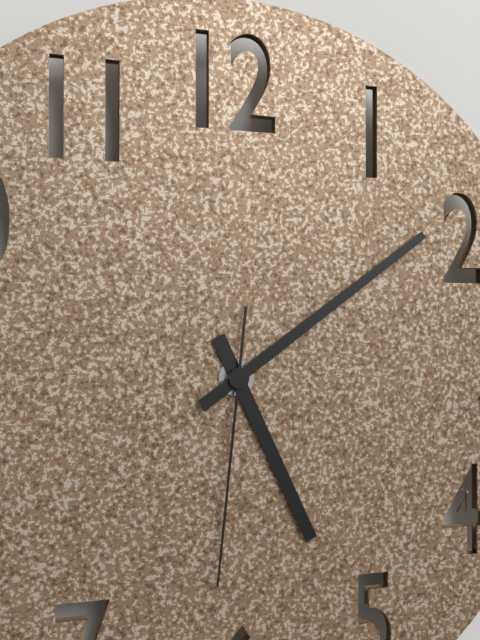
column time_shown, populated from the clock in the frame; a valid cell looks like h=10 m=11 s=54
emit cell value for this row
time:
h=5 m=9 s=31
